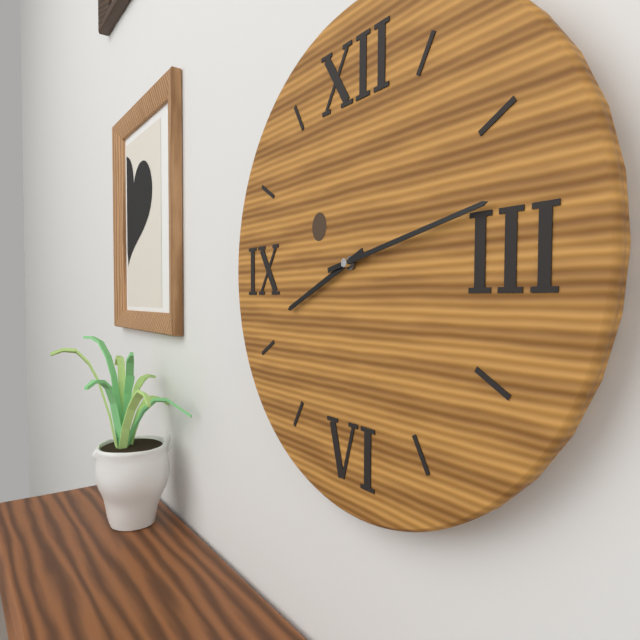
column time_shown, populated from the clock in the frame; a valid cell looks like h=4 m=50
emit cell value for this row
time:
h=8 m=13
